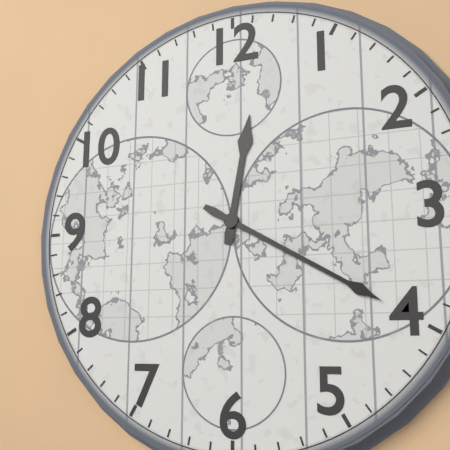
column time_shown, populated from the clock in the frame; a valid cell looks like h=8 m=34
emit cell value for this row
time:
h=12 m=20
